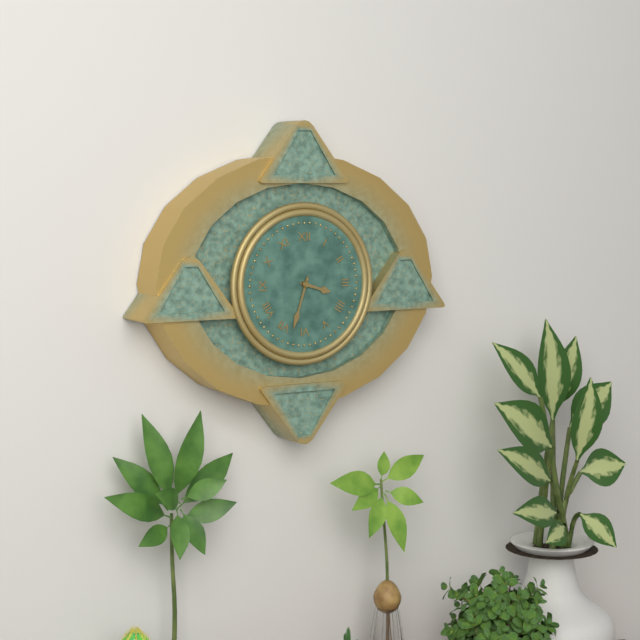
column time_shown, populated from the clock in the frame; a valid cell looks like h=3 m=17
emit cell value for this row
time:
h=3 m=33
